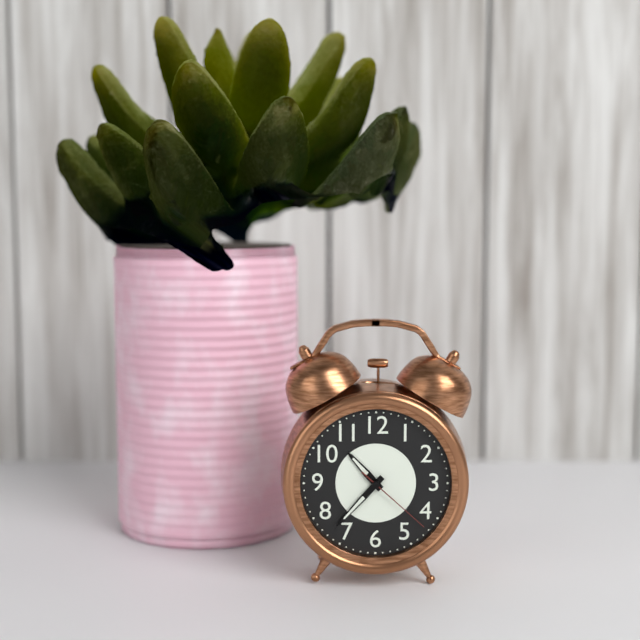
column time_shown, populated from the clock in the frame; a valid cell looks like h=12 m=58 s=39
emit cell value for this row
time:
h=10 m=37 s=22
